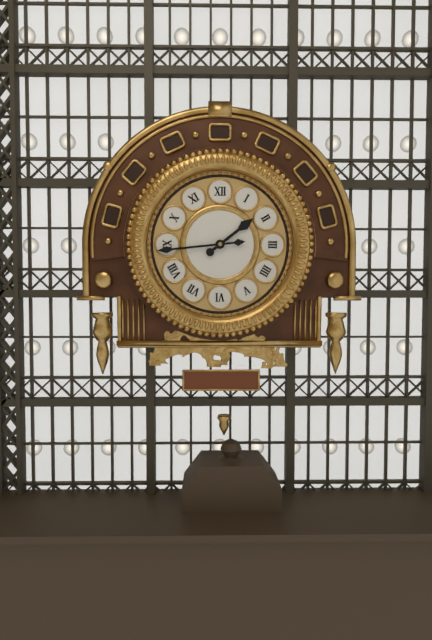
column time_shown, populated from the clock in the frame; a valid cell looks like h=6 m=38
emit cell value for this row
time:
h=1 m=44
